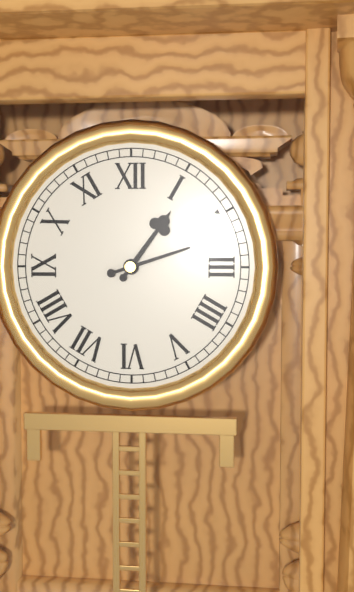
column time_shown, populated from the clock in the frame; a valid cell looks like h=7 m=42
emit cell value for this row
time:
h=1 m=12
